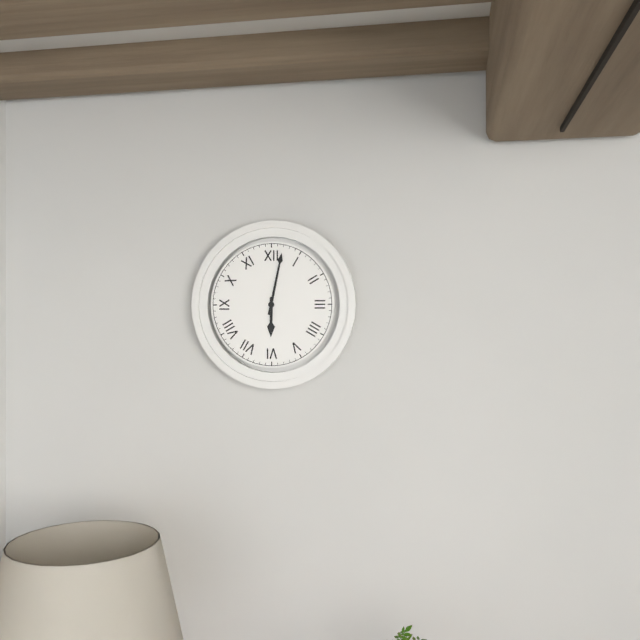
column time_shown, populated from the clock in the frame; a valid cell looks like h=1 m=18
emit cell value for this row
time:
h=6 m=2
